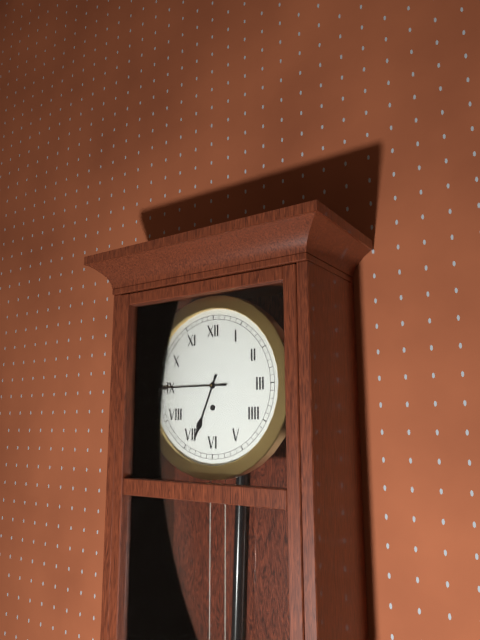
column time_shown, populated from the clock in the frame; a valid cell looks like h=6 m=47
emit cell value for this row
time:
h=6 m=45
